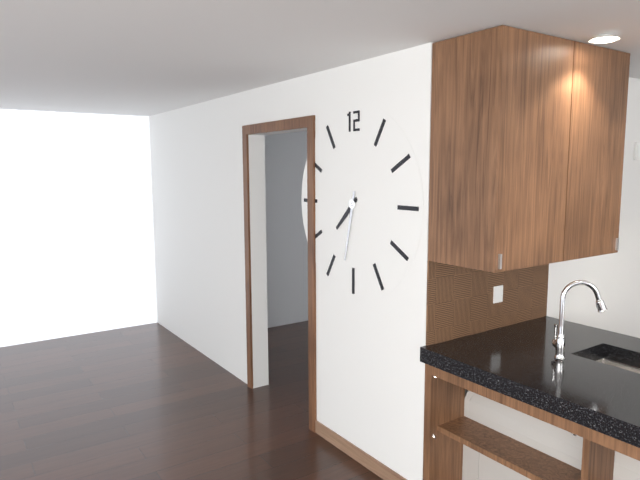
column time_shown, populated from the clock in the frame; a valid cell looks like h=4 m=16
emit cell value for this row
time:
h=7 m=32
